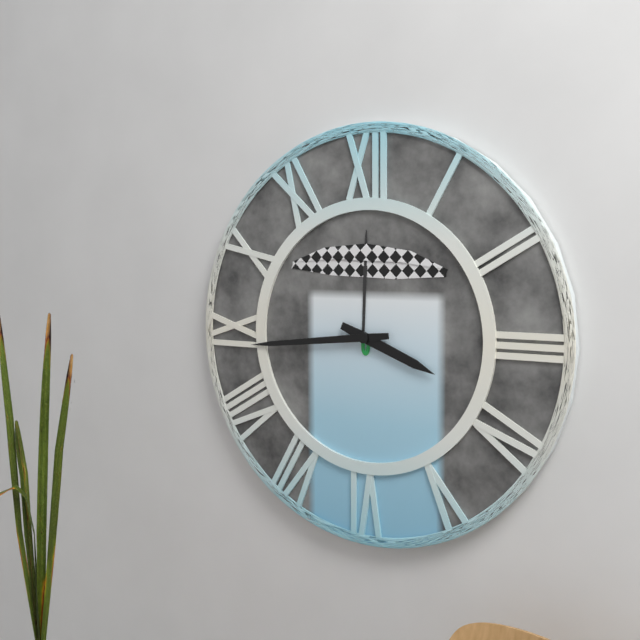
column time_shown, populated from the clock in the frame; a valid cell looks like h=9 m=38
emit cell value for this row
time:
h=3 m=44
